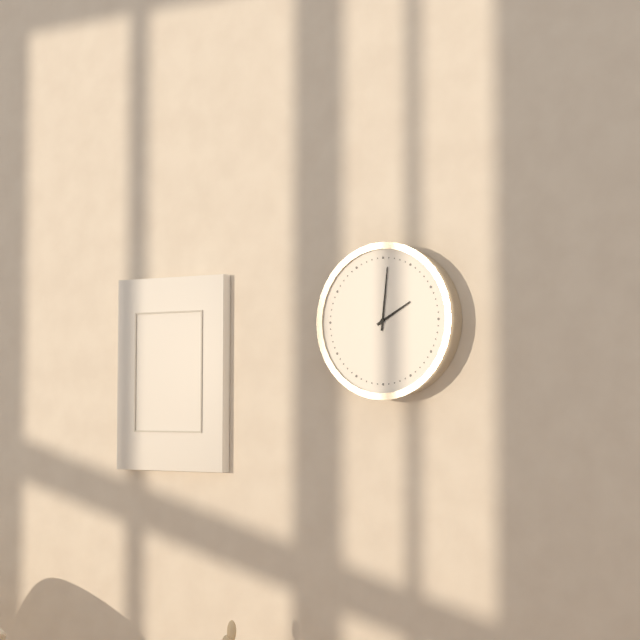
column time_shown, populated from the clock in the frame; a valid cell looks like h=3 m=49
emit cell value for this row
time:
h=2 m=1
